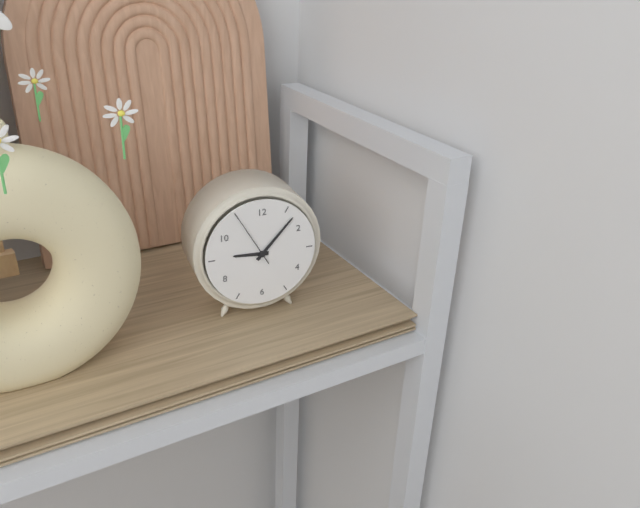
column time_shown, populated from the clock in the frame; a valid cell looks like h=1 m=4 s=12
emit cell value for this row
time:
h=9 m=7 s=55
